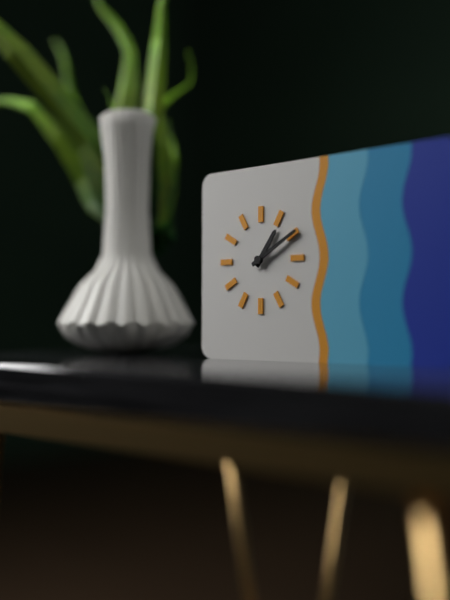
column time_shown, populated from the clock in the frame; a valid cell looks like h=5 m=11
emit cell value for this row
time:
h=1 m=10
